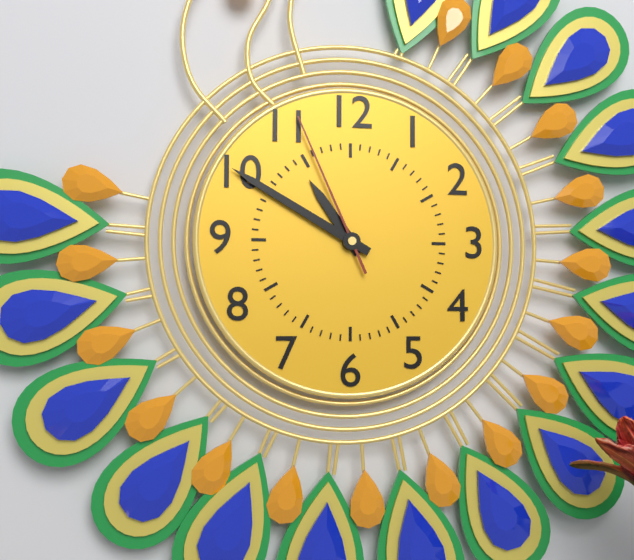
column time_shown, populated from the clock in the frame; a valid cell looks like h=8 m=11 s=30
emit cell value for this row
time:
h=10 m=50 s=56
